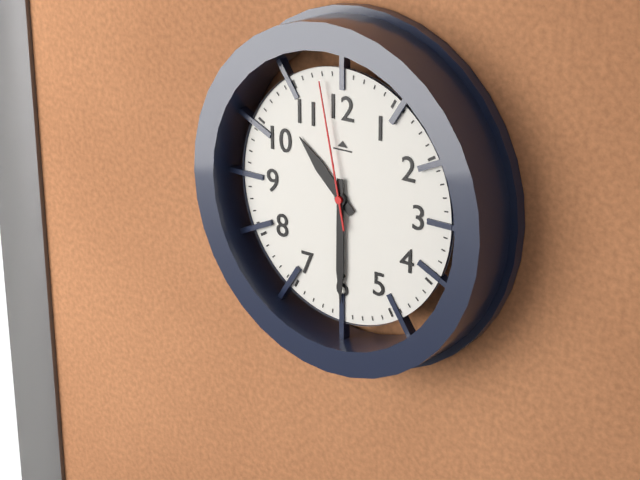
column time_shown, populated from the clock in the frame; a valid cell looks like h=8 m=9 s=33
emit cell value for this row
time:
h=10 m=30 s=58
